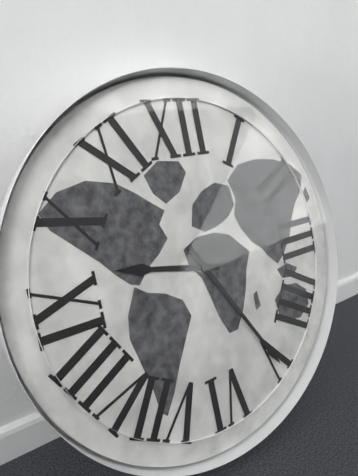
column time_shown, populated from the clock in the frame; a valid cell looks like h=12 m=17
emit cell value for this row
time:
h=9 m=25
